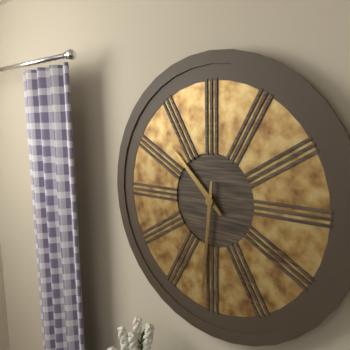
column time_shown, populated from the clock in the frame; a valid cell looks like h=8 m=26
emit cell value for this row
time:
h=10 m=31
